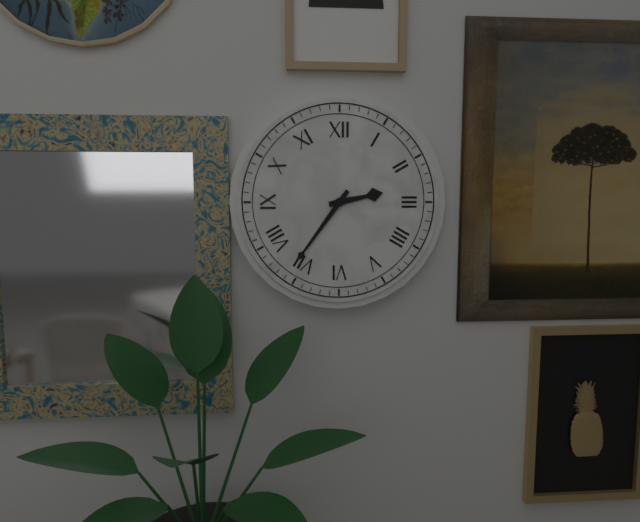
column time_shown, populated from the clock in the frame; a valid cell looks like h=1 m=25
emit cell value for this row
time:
h=2 m=36
